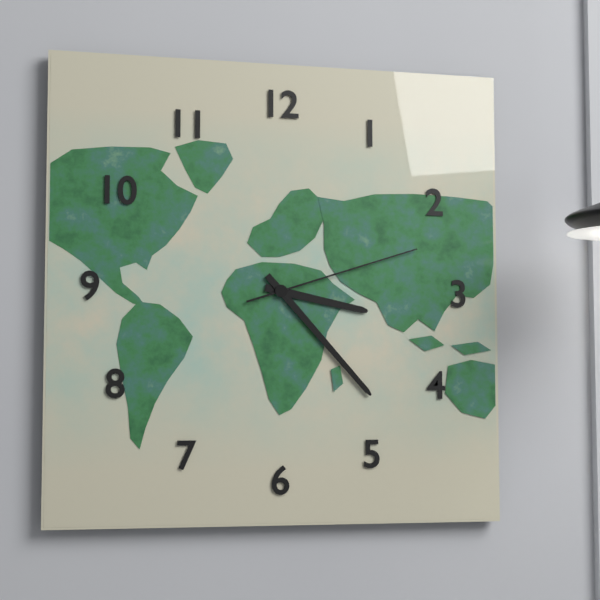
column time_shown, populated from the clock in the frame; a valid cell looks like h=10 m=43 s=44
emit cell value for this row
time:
h=3 m=23 s=12
